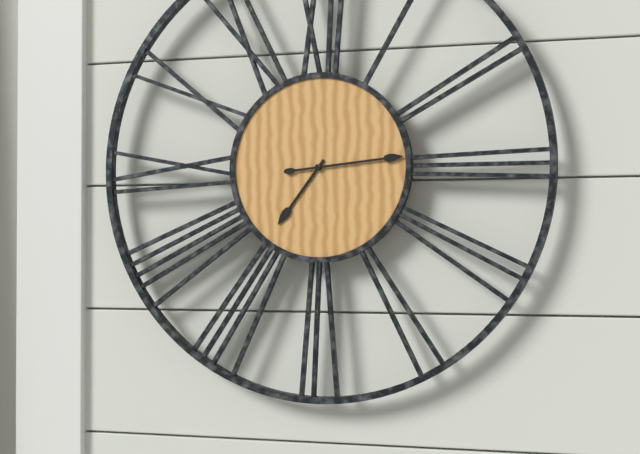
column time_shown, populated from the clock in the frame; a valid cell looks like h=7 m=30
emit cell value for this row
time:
h=7 m=14
